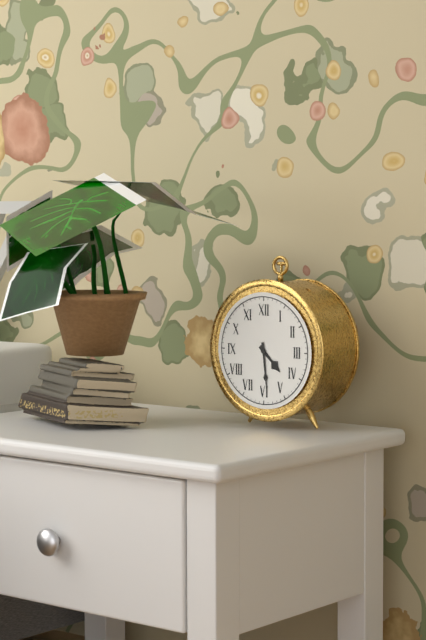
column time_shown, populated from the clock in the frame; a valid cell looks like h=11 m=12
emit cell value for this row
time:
h=4 m=29
